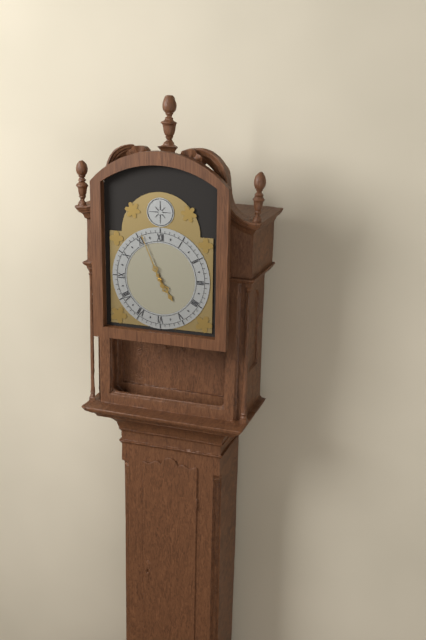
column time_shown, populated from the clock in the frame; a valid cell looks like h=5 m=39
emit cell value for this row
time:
h=4 m=56
